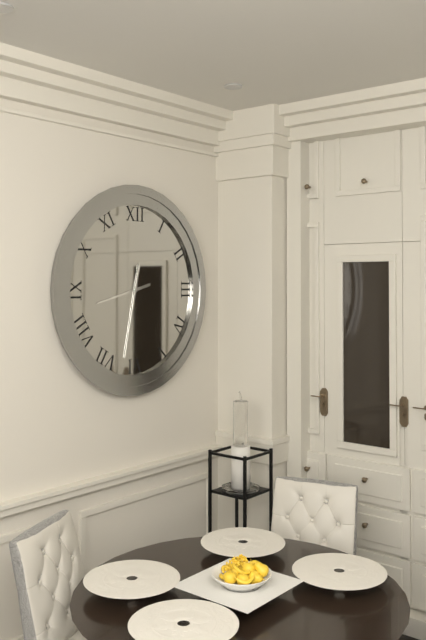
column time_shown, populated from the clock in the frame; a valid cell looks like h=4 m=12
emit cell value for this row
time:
h=8 m=32
